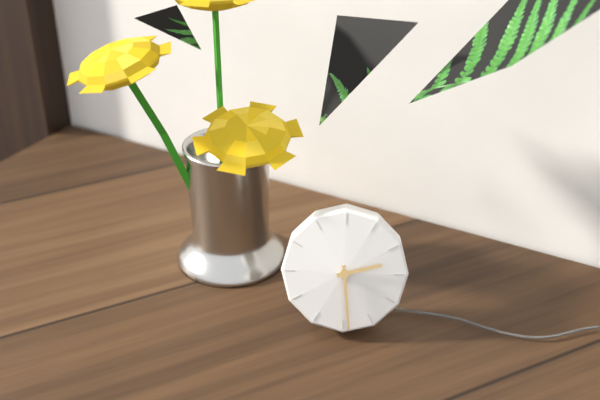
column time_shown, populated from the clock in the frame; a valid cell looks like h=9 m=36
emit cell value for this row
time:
h=2 m=29
